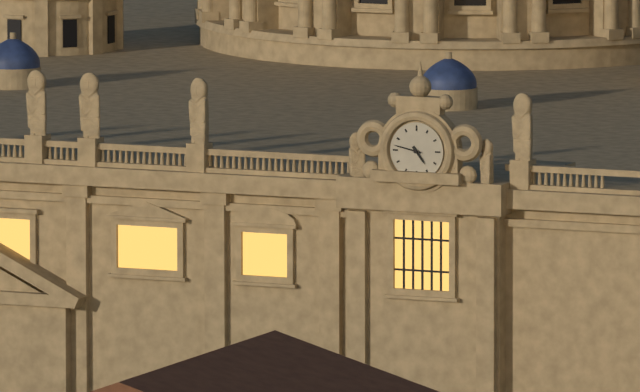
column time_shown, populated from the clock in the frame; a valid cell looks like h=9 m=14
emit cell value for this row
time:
h=4 m=47
